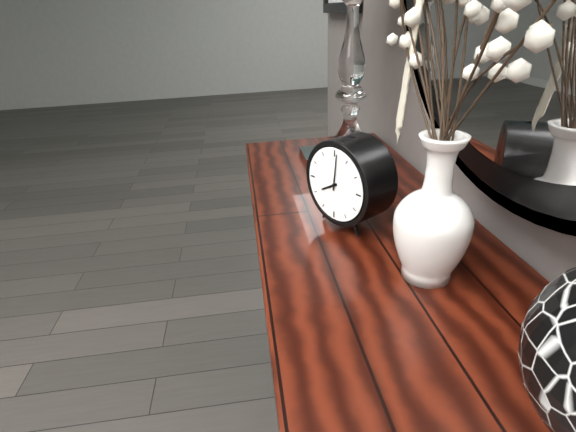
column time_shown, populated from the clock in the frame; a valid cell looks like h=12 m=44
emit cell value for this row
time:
h=8 m=1
